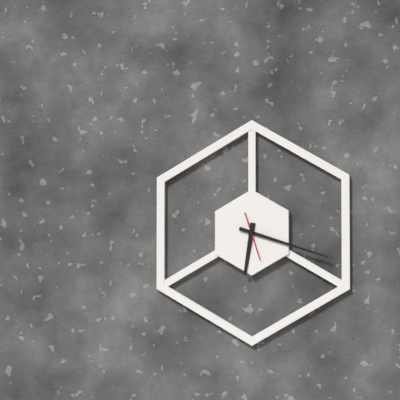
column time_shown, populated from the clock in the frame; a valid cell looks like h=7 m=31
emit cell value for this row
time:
h=6 m=18
